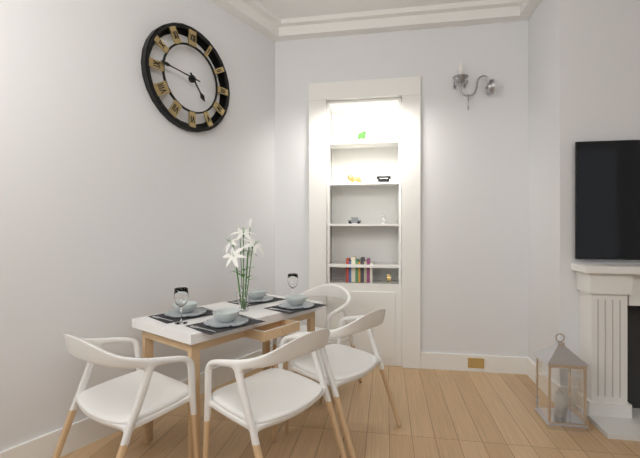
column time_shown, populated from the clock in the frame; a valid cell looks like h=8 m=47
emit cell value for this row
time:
h=4 m=46
